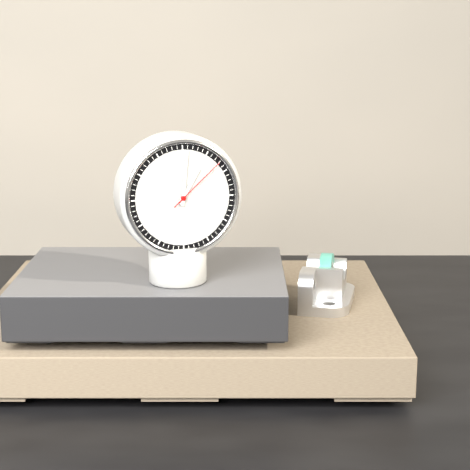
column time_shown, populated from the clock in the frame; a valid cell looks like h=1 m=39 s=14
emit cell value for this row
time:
h=1 m=1 s=8
